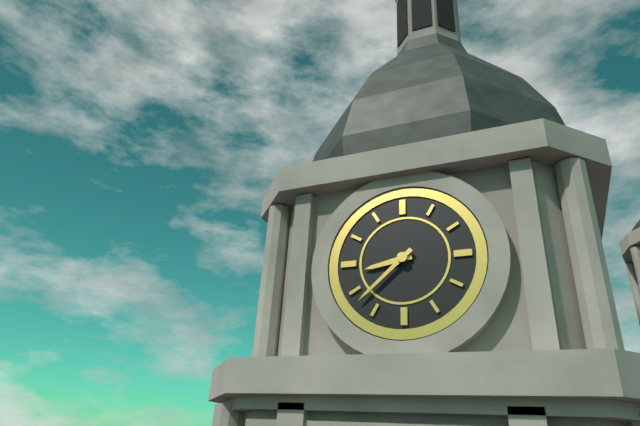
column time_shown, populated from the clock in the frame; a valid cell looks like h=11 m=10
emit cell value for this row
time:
h=8 m=38
